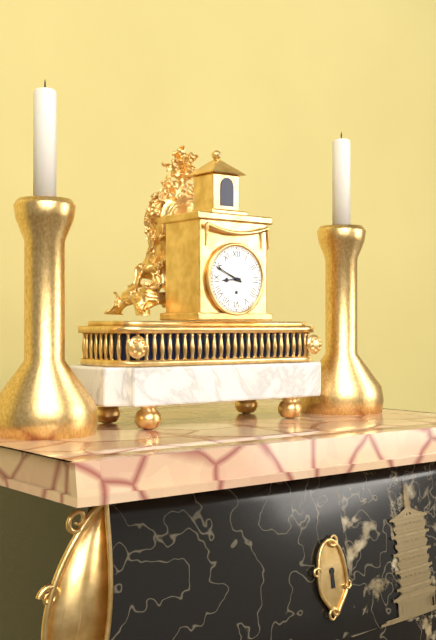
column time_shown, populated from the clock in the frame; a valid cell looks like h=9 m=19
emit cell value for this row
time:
h=8 m=49
